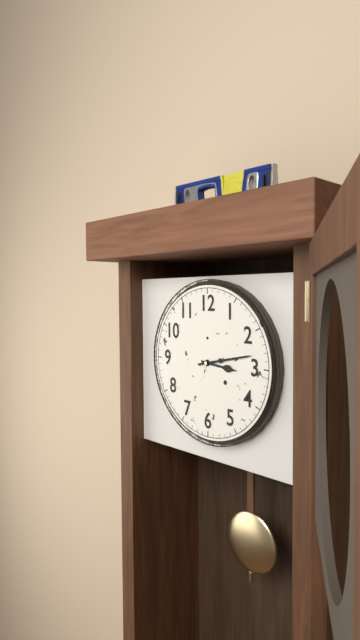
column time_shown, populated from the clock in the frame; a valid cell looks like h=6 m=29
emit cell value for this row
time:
h=3 m=13
